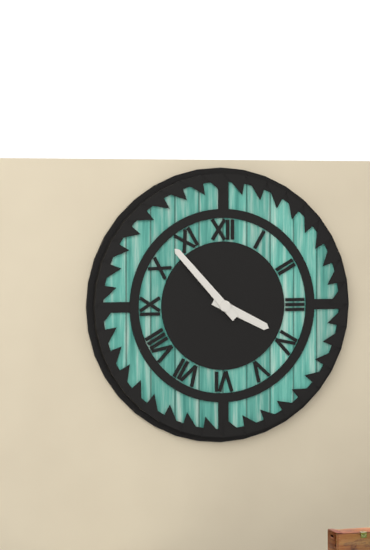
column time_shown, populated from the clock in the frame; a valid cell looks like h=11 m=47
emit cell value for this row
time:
h=3 m=53
